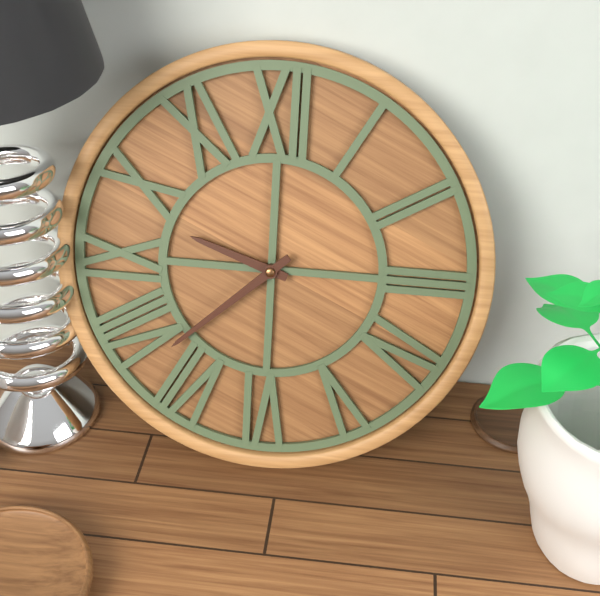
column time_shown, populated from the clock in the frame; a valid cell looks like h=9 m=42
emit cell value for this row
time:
h=9 m=38
